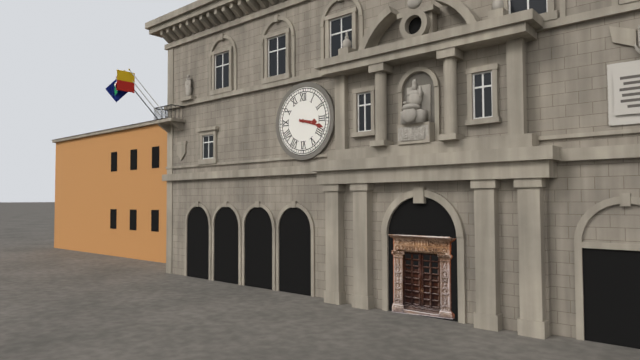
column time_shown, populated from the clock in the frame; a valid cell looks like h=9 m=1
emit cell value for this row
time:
h=3 m=18
